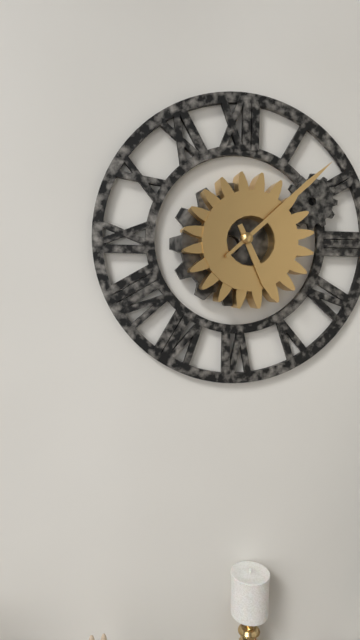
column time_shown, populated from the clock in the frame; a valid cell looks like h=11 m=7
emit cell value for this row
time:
h=5 m=8
